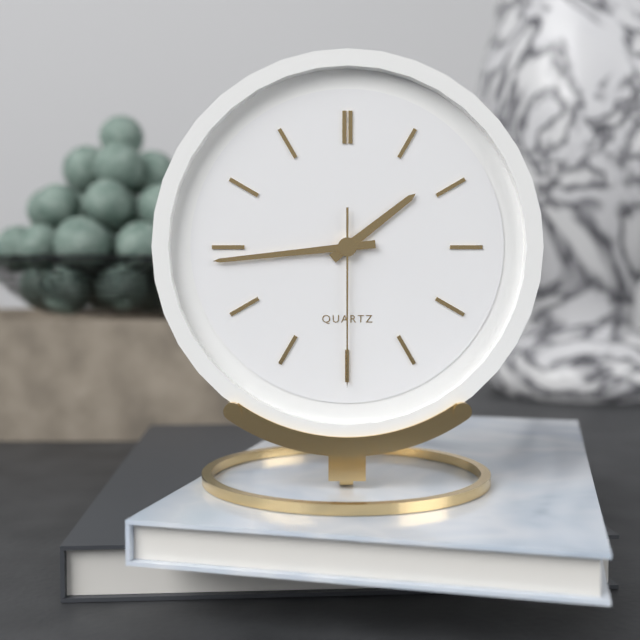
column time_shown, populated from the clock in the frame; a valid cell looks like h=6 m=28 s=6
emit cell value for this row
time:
h=1 m=44 s=30
